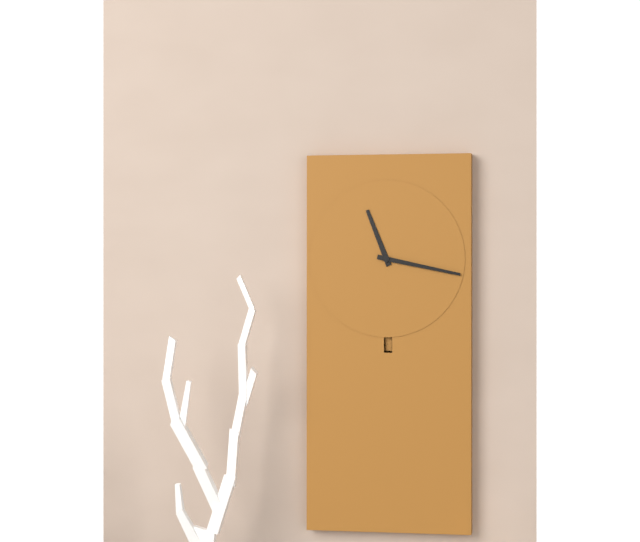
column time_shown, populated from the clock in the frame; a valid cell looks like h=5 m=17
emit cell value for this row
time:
h=11 m=17
